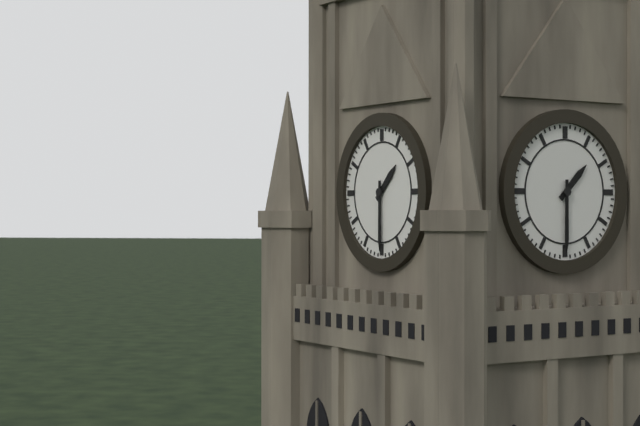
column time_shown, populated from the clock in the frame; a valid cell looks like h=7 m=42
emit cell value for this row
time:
h=1 m=30
